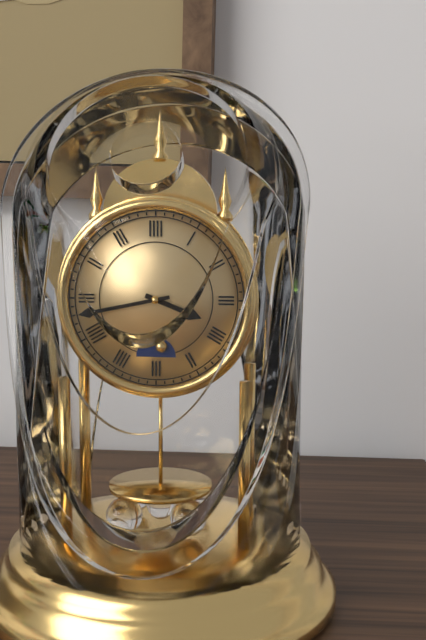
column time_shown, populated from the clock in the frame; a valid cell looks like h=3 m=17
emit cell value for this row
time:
h=3 m=43
